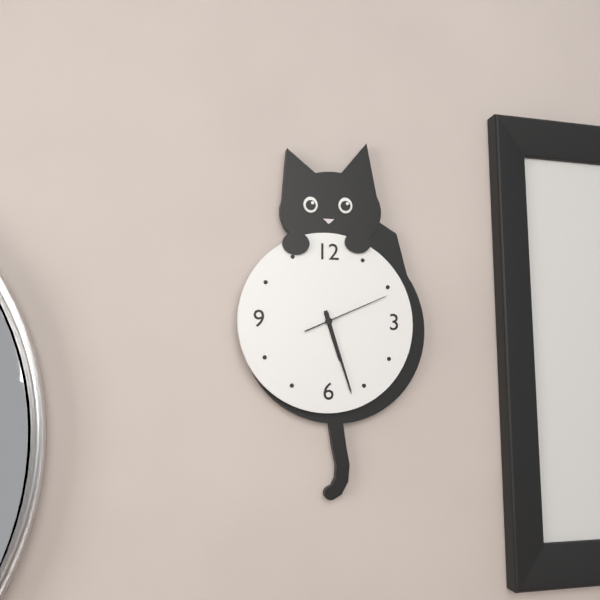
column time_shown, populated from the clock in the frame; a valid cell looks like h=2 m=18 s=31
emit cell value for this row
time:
h=5 m=27 s=11
